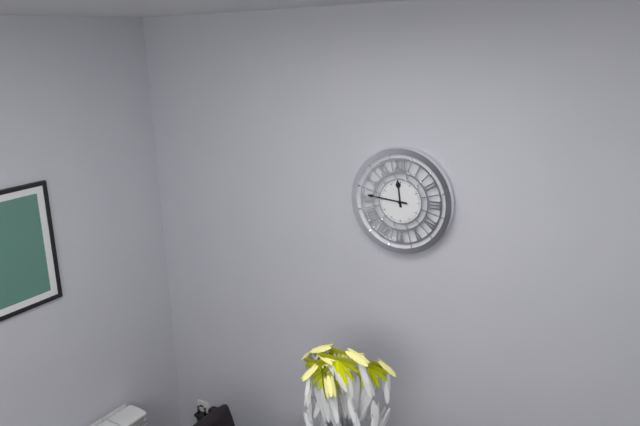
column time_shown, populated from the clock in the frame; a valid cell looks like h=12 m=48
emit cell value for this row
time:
h=11 m=46
